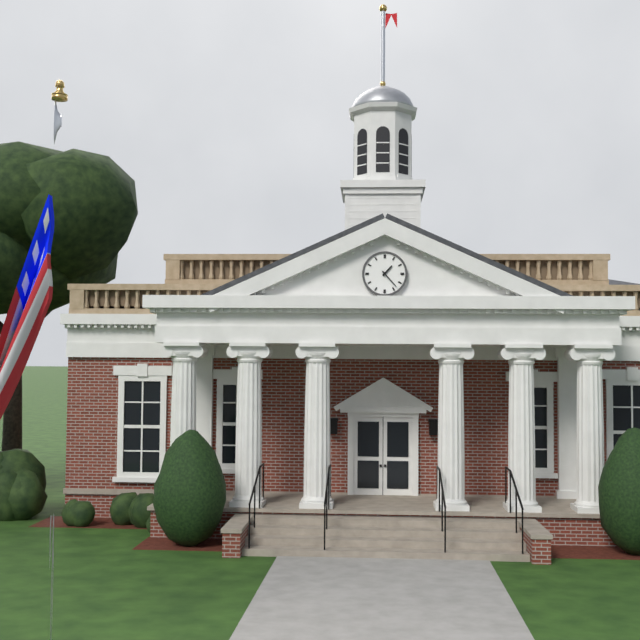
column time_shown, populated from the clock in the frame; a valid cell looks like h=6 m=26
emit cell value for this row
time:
h=1 m=23
